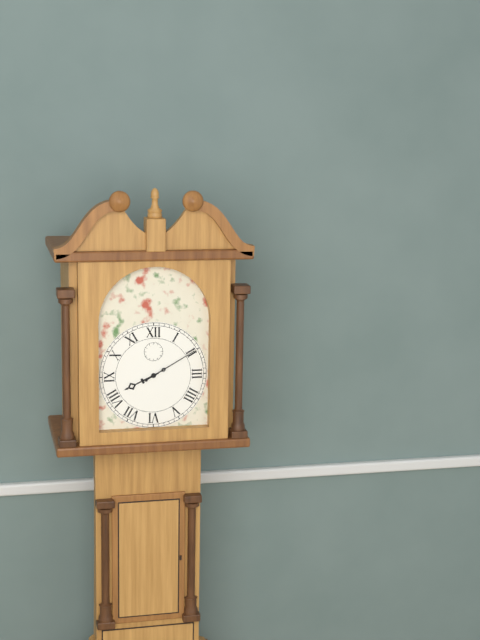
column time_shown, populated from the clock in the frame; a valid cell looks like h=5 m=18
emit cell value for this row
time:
h=8 m=10
